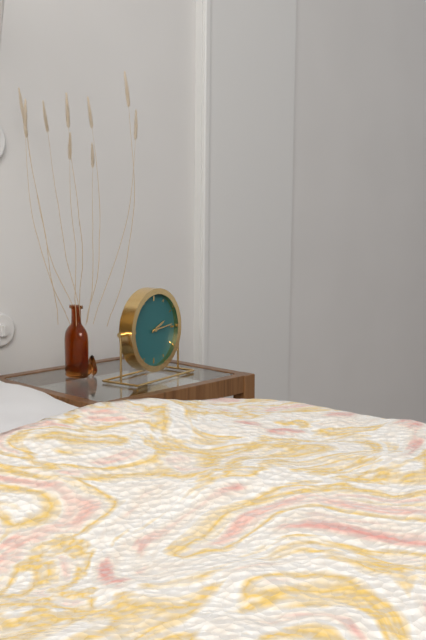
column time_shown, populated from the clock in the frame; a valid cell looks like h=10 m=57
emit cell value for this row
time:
h=2 m=14
